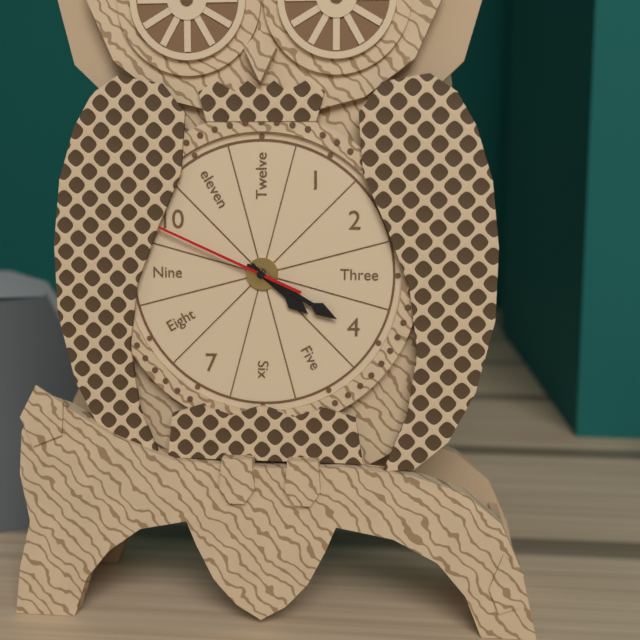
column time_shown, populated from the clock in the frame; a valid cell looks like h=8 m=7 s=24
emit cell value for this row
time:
h=4 m=20 s=49
